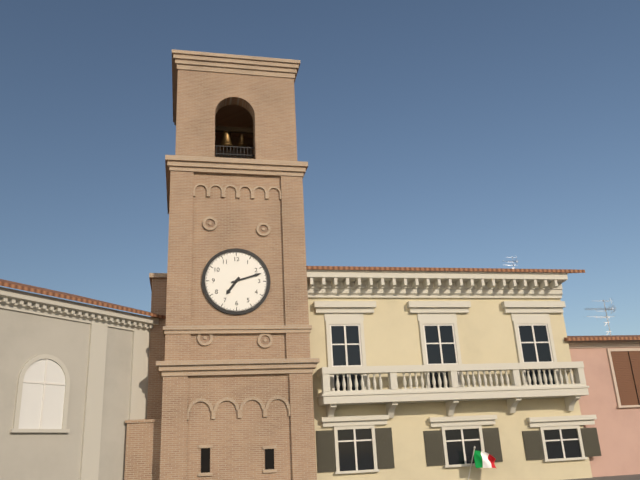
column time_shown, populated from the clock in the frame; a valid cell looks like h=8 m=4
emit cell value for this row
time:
h=7 m=12
